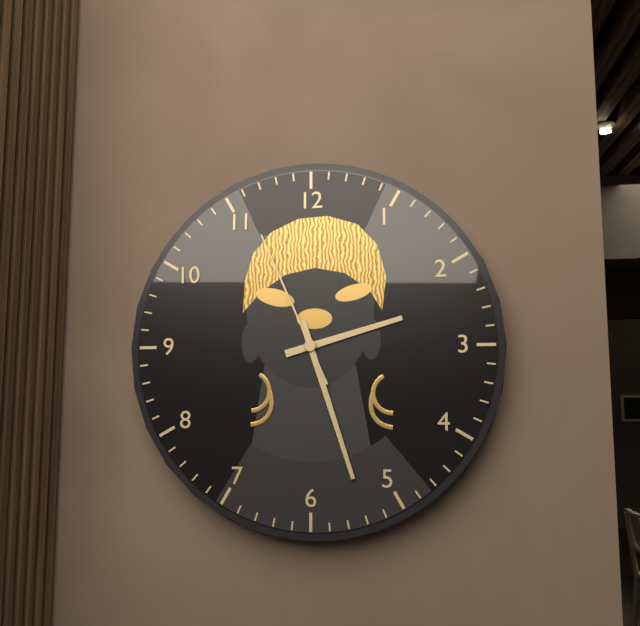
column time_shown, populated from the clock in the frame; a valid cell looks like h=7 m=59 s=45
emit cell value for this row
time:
h=2 m=27 s=56
